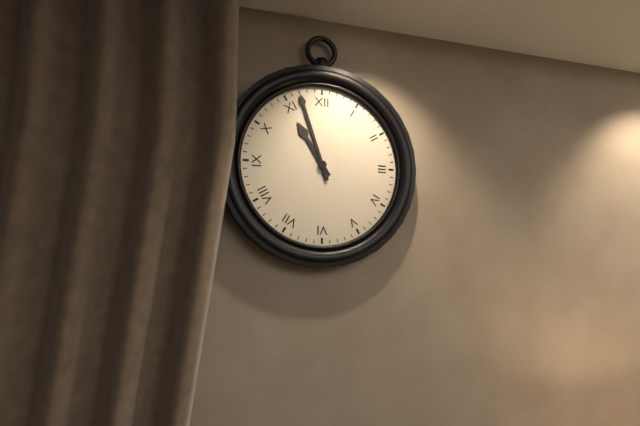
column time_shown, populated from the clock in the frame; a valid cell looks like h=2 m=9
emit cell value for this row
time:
h=10 m=57
